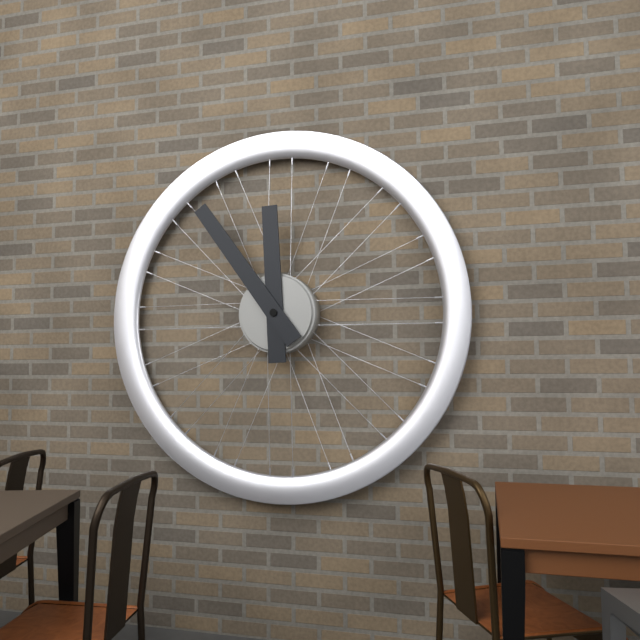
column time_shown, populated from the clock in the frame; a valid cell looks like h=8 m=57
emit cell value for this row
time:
h=11 m=54
